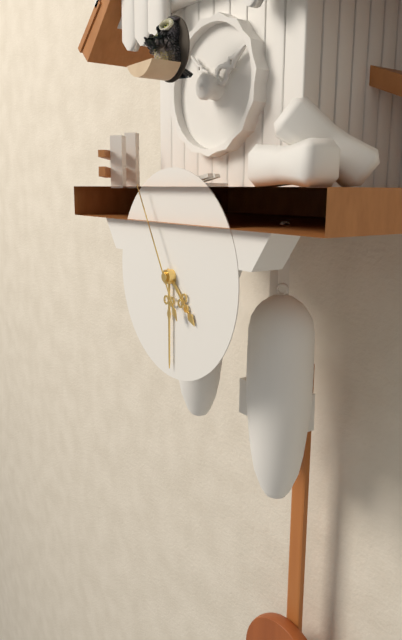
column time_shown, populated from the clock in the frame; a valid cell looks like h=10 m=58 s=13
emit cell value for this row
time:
h=4 m=30 s=55
